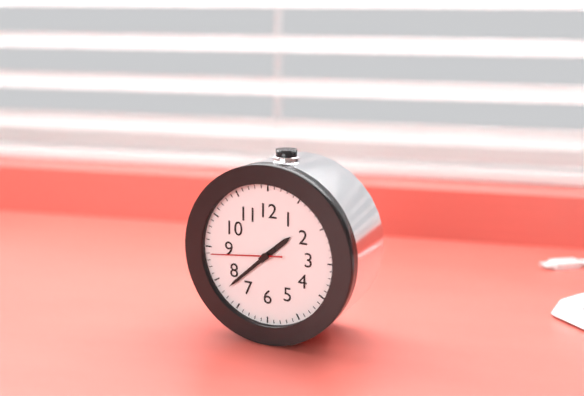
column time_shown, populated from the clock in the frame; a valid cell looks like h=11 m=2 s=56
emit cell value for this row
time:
h=1 m=38 s=44
